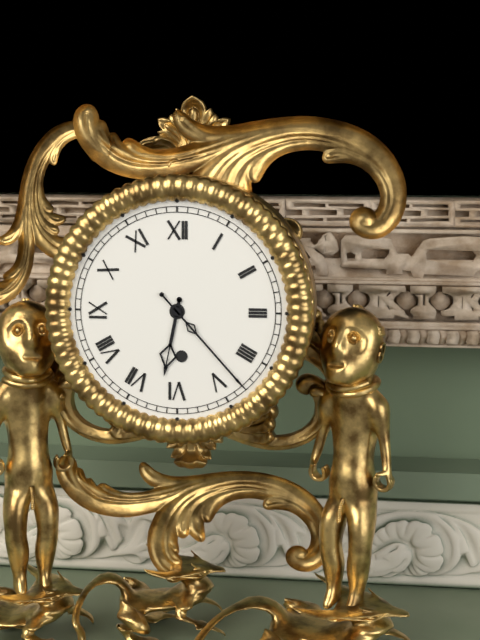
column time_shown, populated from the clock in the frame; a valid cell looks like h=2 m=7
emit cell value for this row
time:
h=6 m=23
